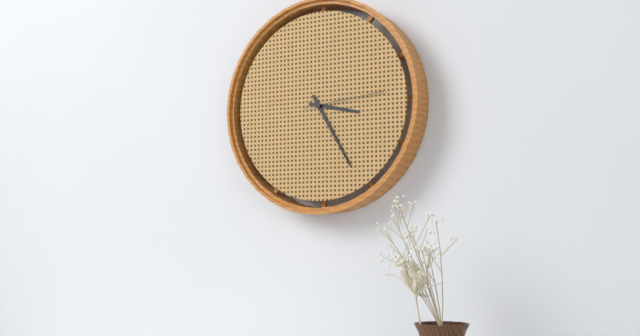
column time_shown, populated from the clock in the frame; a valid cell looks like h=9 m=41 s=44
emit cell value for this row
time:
h=3 m=25 s=14
